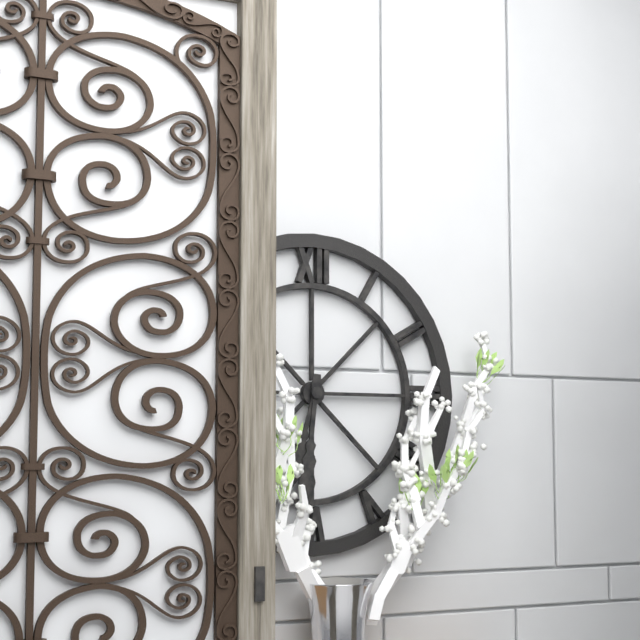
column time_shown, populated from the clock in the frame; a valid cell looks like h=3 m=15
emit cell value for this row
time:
h=6 m=31
